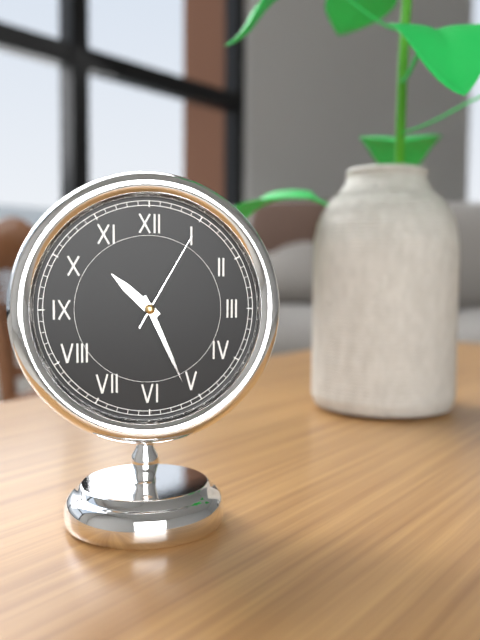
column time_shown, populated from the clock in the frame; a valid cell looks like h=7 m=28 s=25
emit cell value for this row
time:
h=10 m=26 s=5
